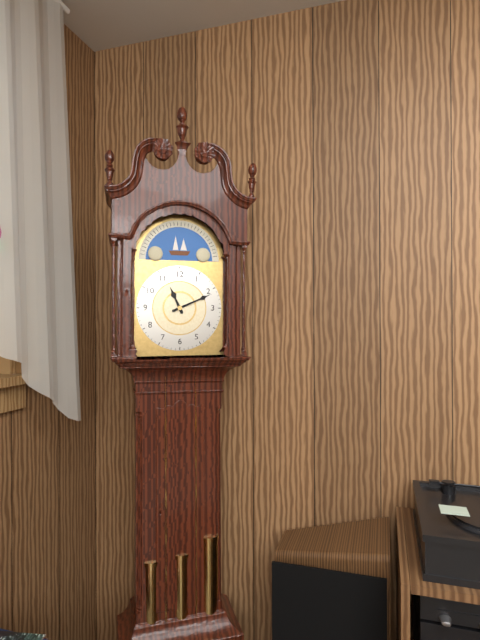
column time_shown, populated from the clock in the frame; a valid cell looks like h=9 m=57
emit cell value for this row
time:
h=11 m=11
